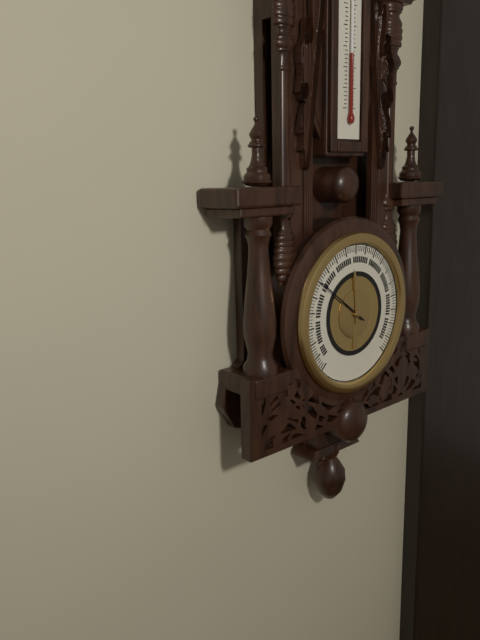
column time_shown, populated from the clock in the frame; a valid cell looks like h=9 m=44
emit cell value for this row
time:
h=11 m=51
